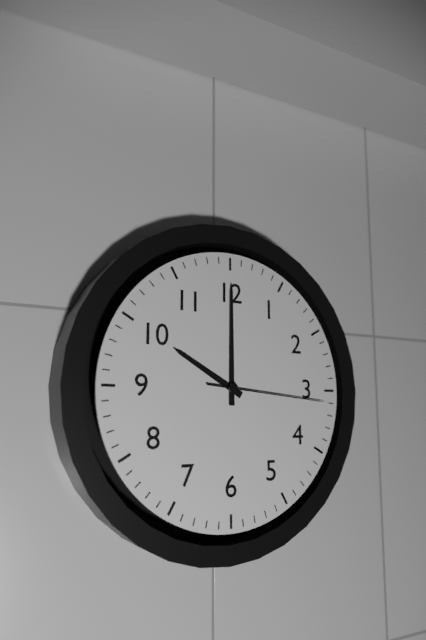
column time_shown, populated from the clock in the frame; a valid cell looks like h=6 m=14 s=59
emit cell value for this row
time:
h=10 m=0 s=16
